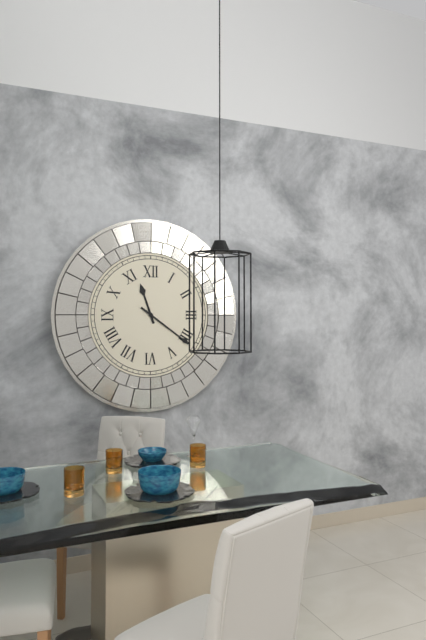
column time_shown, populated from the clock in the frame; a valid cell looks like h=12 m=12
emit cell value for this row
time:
h=11 m=21
